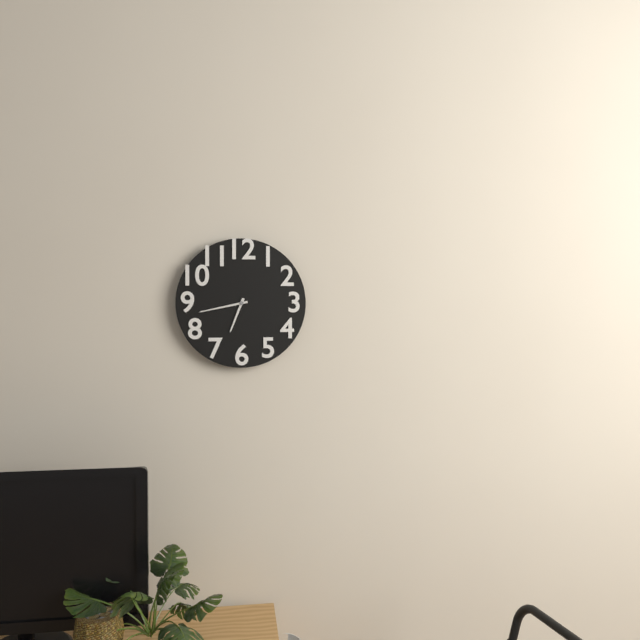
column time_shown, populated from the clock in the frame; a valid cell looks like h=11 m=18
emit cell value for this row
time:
h=6 m=43
